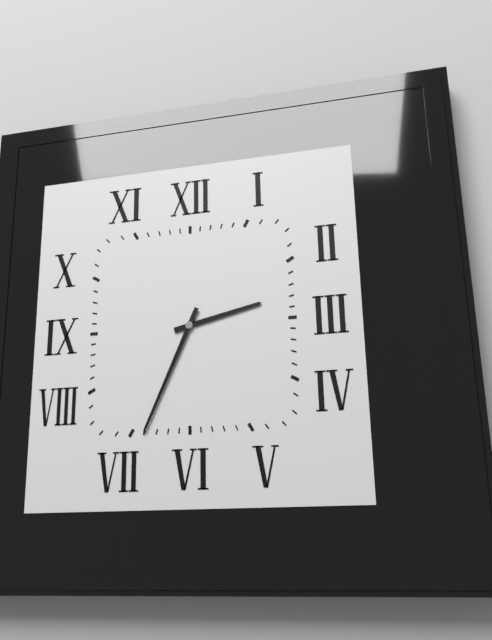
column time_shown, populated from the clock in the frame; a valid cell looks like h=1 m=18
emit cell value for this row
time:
h=2 m=34
